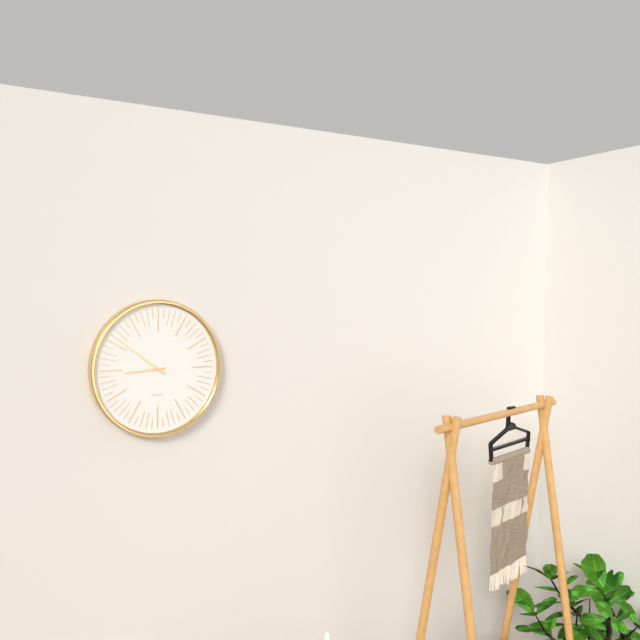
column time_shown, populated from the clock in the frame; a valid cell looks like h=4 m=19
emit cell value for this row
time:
h=8 m=51
